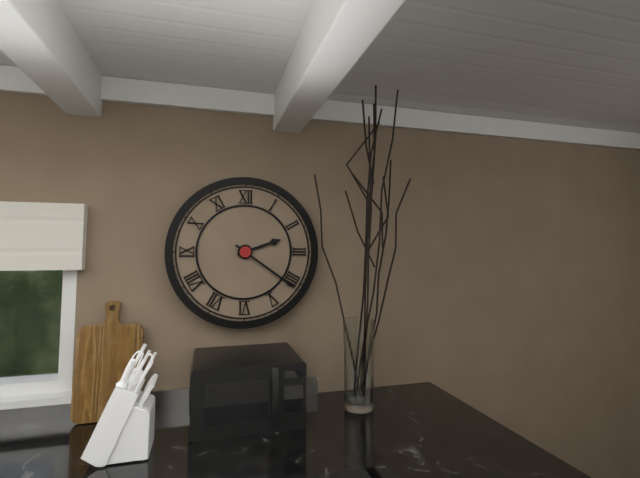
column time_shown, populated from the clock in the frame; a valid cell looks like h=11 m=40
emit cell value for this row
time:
h=2 m=21
